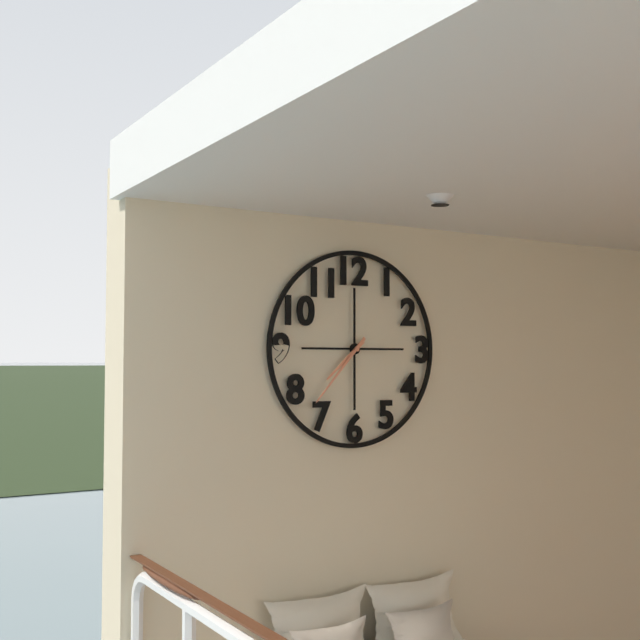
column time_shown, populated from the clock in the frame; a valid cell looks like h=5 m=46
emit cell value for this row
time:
h=7 m=37
